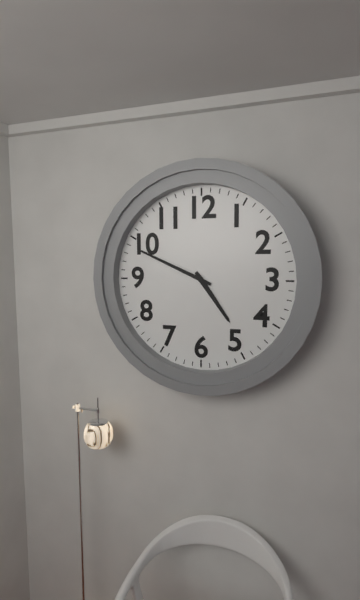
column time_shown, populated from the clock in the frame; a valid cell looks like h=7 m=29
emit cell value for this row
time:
h=4 m=49
